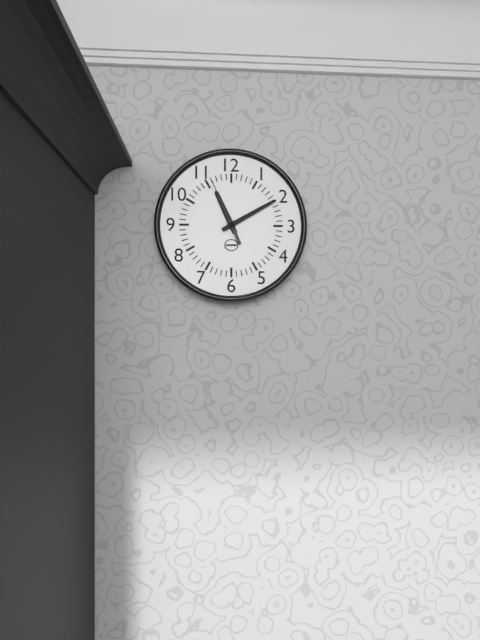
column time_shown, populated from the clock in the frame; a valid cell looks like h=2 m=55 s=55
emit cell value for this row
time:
h=11 m=10 s=56
